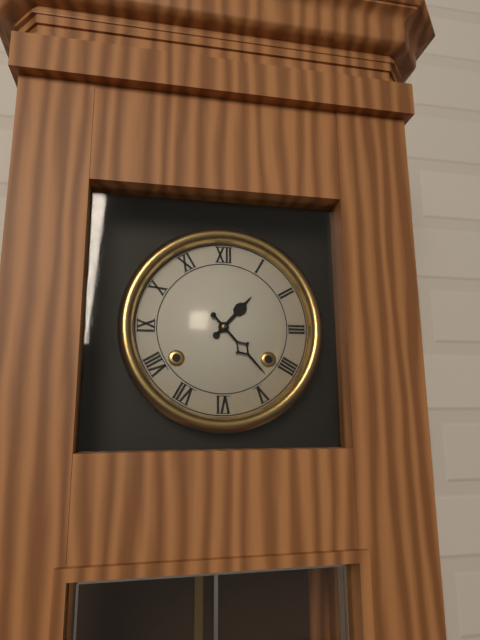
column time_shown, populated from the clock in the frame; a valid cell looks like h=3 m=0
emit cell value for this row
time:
h=1 m=23
